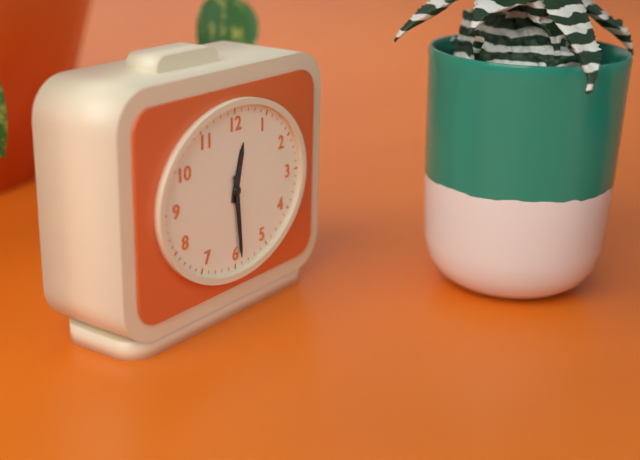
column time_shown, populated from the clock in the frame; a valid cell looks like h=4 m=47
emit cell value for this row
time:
h=12 m=29
